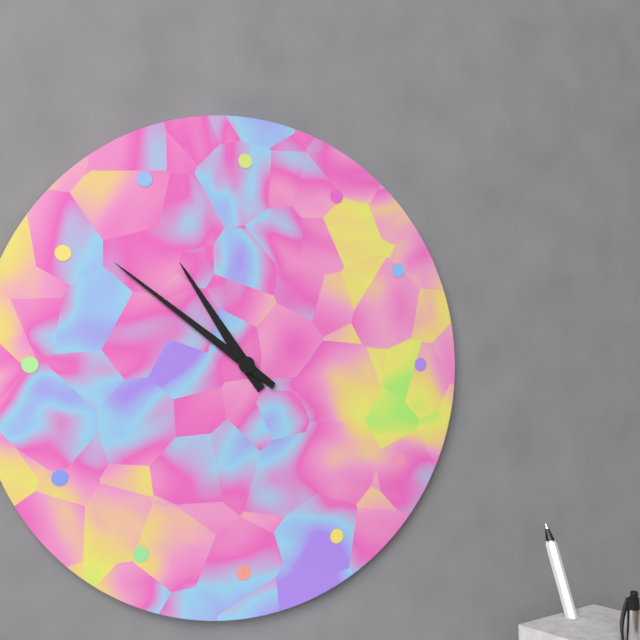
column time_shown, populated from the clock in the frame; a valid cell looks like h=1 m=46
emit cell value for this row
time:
h=10 m=51
